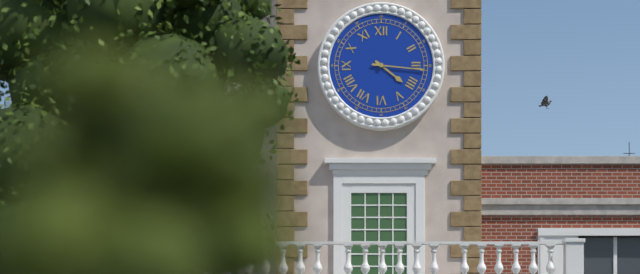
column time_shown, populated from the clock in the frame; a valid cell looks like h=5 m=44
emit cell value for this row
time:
h=4 m=16
